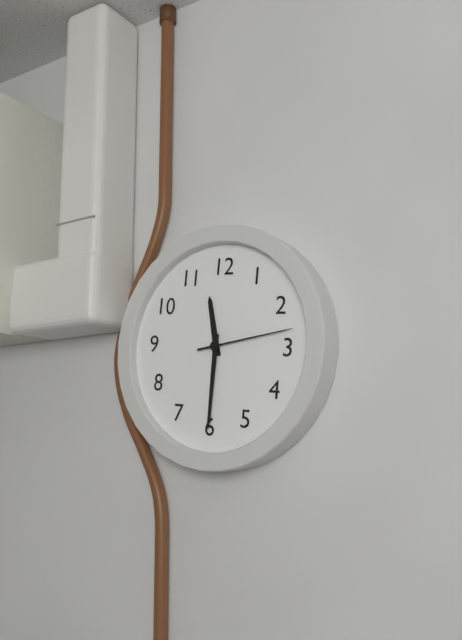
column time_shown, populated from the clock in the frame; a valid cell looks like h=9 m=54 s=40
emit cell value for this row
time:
h=11 m=30 s=13
